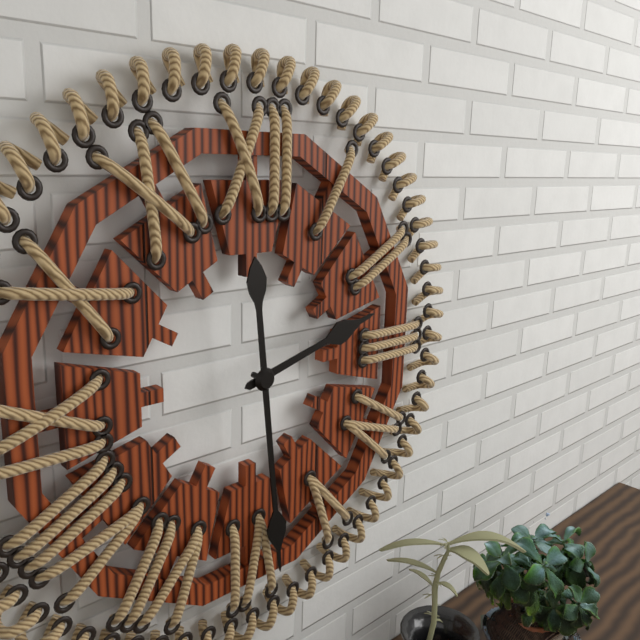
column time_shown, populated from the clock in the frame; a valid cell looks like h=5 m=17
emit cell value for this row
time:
h=2 m=29
